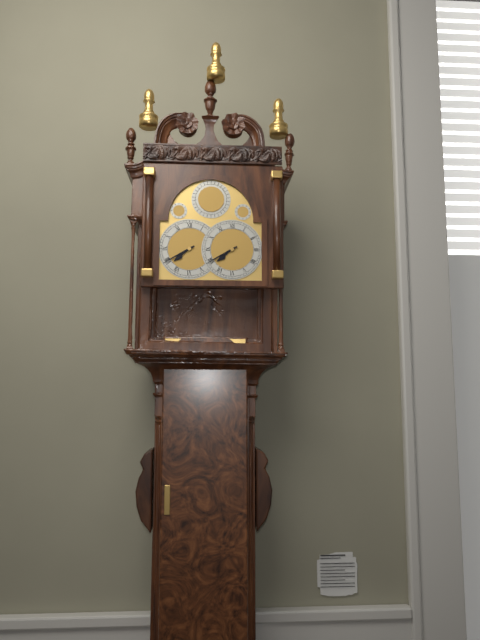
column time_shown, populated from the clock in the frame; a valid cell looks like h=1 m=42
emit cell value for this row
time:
h=7 m=40
